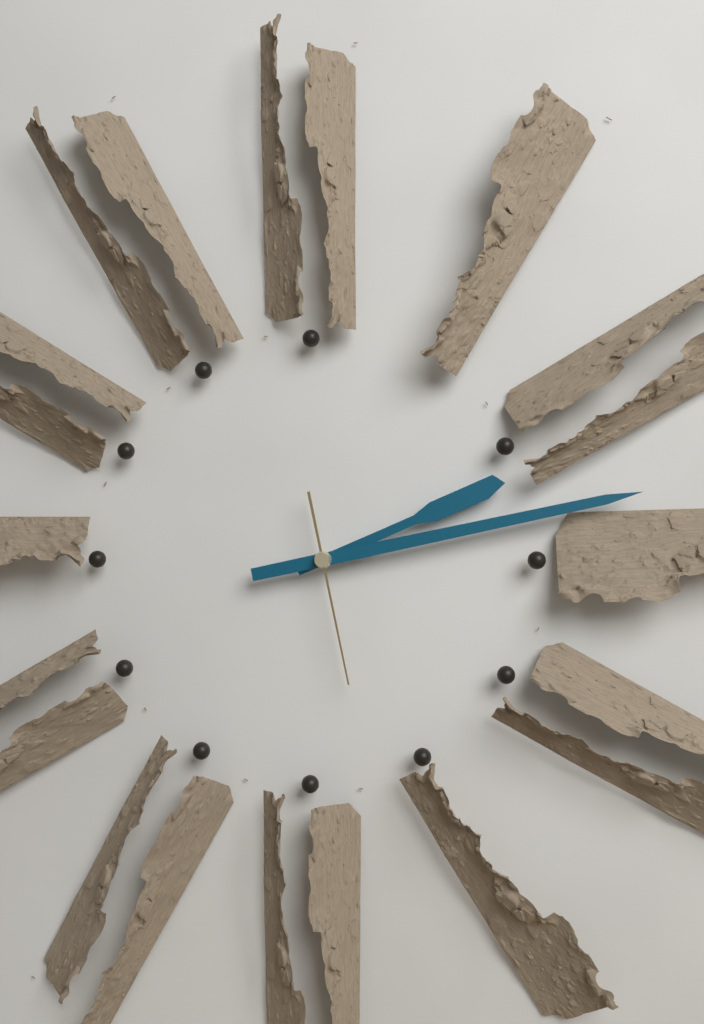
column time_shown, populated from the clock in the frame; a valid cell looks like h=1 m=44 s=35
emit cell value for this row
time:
h=2 m=13 s=28
